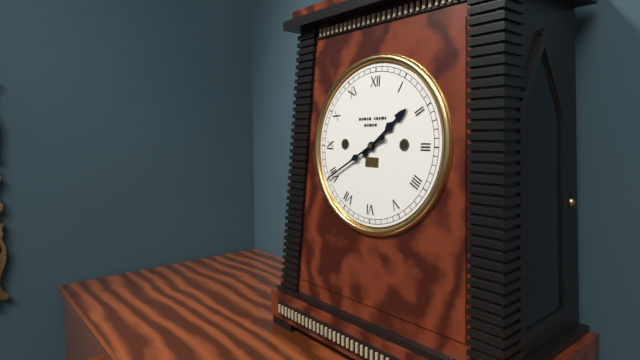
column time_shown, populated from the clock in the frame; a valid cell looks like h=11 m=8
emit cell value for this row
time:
h=1 m=40
